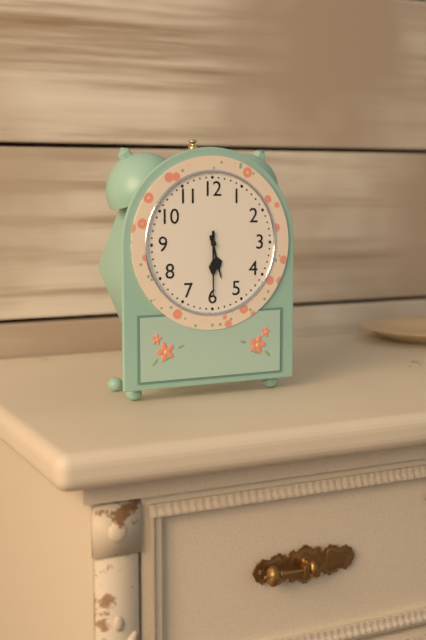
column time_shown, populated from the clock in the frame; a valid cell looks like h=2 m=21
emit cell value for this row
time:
h=5 m=30
